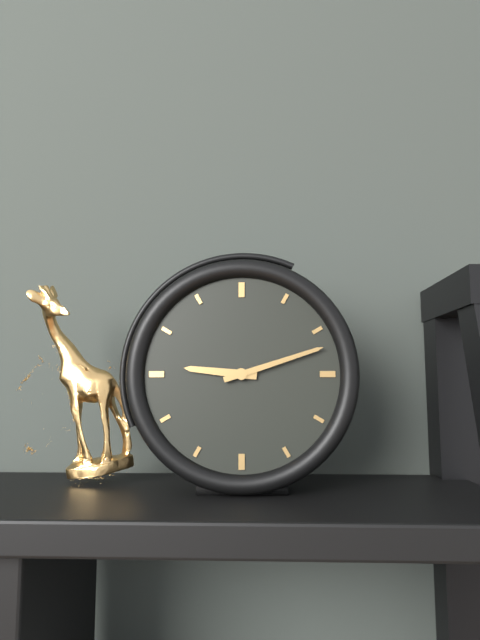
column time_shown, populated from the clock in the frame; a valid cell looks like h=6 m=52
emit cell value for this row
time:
h=9 m=12
